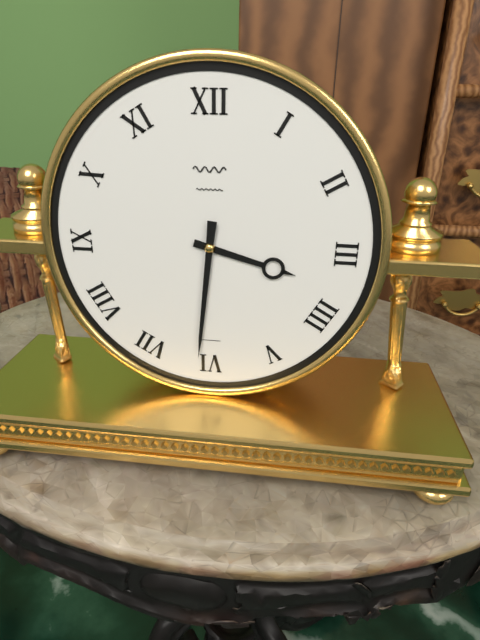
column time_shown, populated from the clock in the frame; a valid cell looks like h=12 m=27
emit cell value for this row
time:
h=3 m=31
